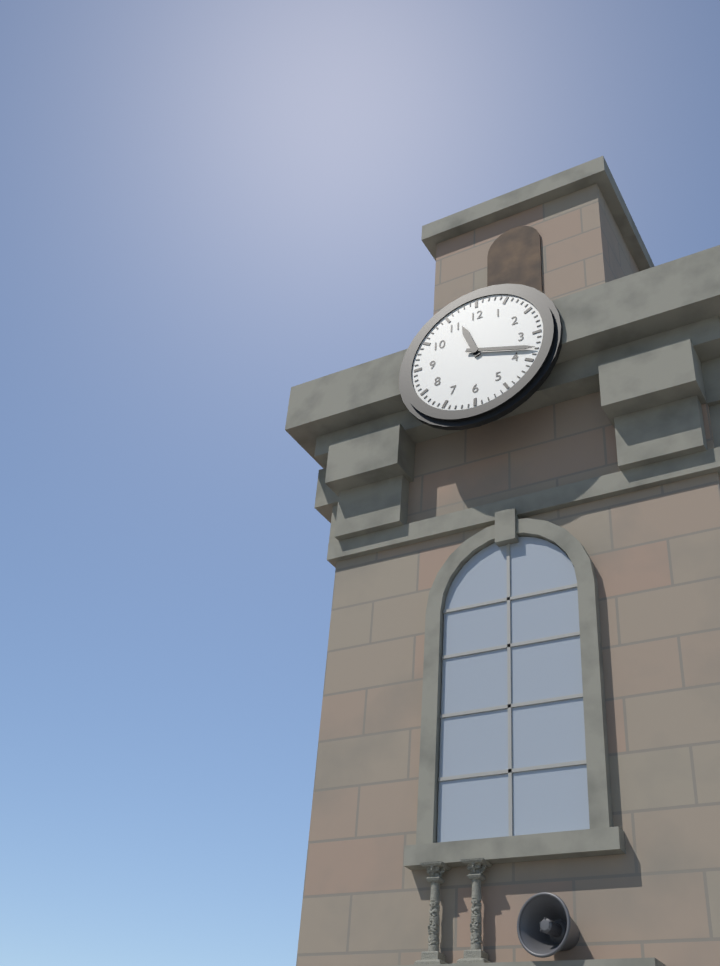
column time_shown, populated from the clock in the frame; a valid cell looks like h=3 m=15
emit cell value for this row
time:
h=11 m=18
